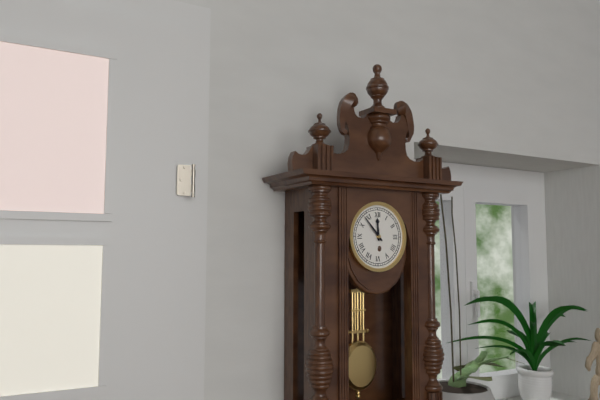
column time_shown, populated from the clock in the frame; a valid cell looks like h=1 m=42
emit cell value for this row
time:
h=11 m=53
